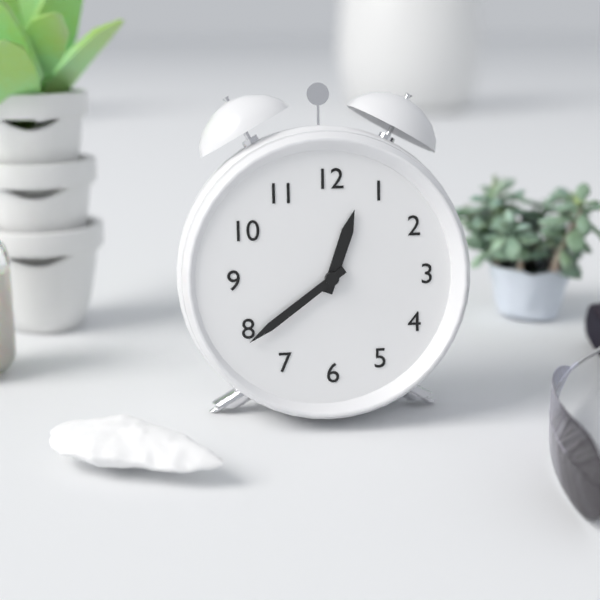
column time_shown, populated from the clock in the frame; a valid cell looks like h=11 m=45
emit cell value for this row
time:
h=12 m=39
